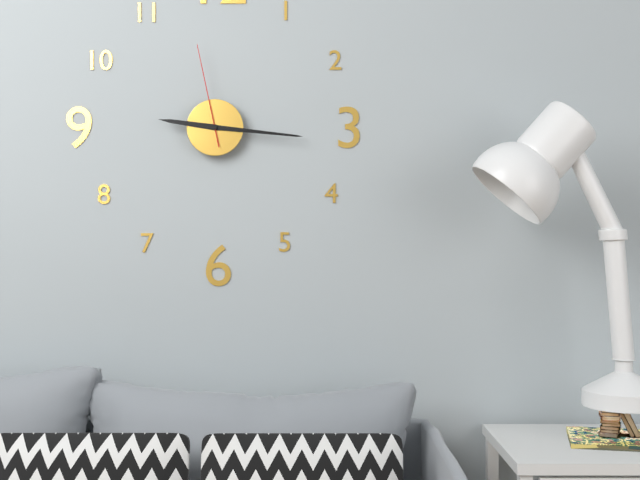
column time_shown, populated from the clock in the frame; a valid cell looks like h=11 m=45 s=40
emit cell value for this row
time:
h=9 m=16 s=58
